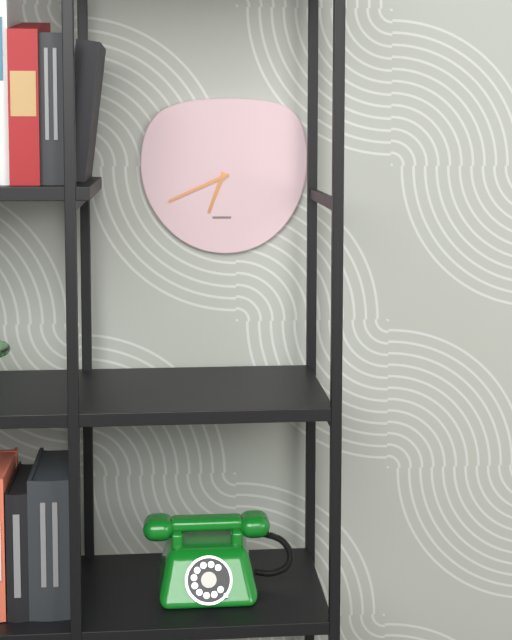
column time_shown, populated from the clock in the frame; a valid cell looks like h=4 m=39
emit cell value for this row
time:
h=6 m=41
